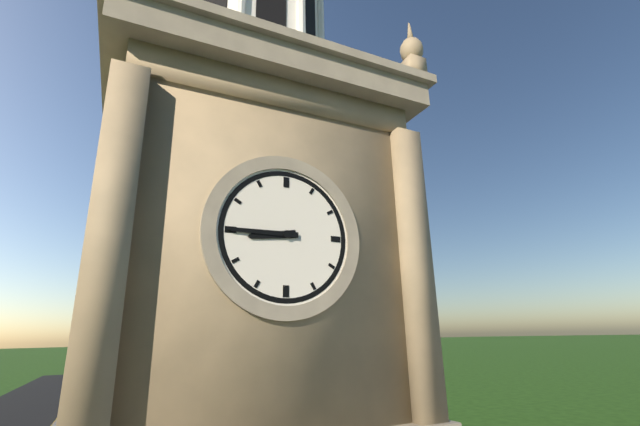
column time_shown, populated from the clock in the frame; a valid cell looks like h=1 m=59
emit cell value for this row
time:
h=8 m=45
